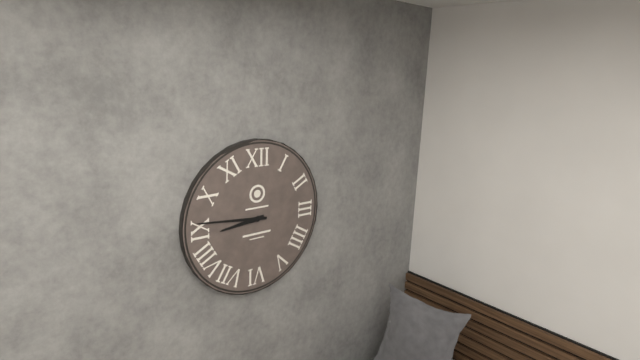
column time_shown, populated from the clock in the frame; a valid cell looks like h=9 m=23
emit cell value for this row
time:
h=8 m=46
